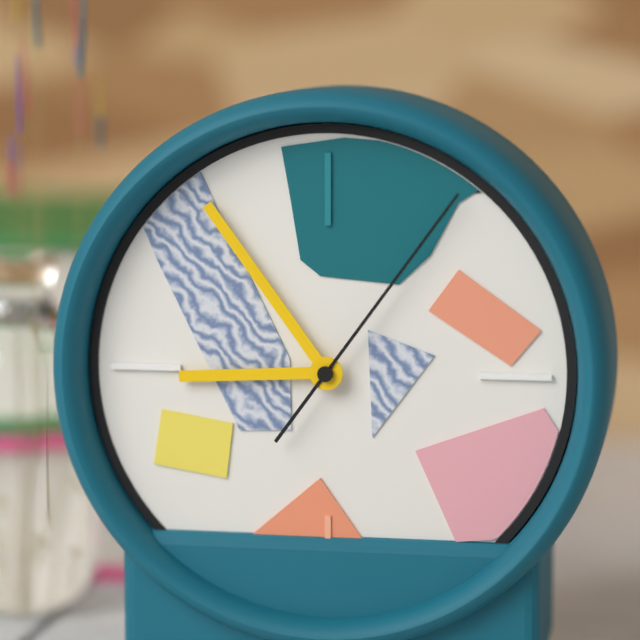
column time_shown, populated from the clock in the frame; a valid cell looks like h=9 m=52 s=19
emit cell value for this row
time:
h=8 m=54 s=6
